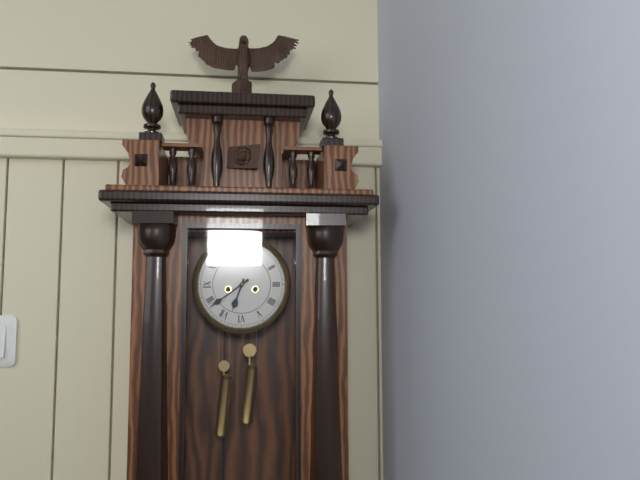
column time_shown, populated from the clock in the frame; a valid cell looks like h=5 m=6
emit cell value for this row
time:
h=6 m=39
